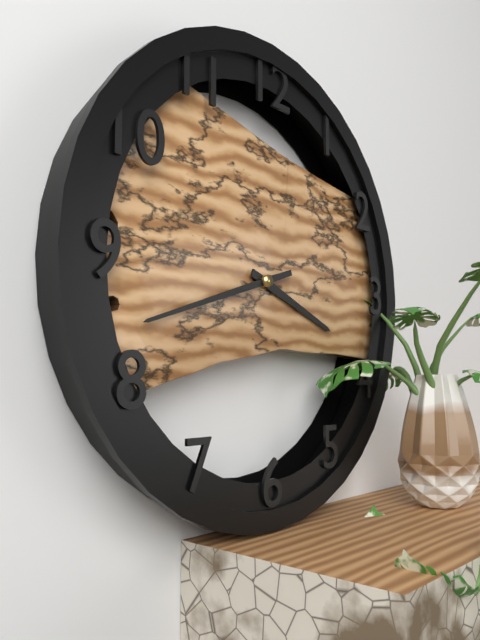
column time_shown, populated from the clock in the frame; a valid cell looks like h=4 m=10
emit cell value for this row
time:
h=3 m=42
